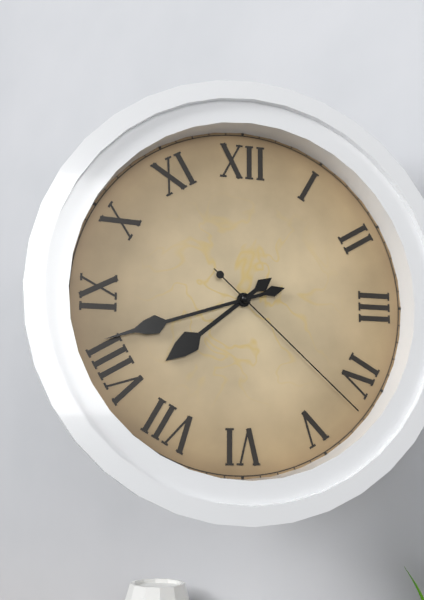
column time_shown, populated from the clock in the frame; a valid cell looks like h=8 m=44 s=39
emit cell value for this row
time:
h=7 m=42 s=22
